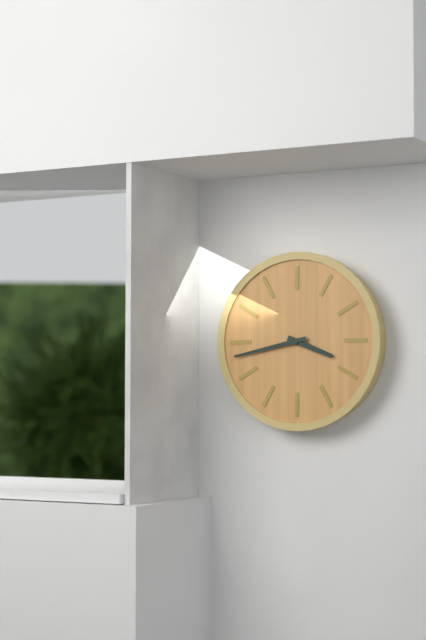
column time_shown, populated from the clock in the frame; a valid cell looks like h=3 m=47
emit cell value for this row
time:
h=3 m=43
